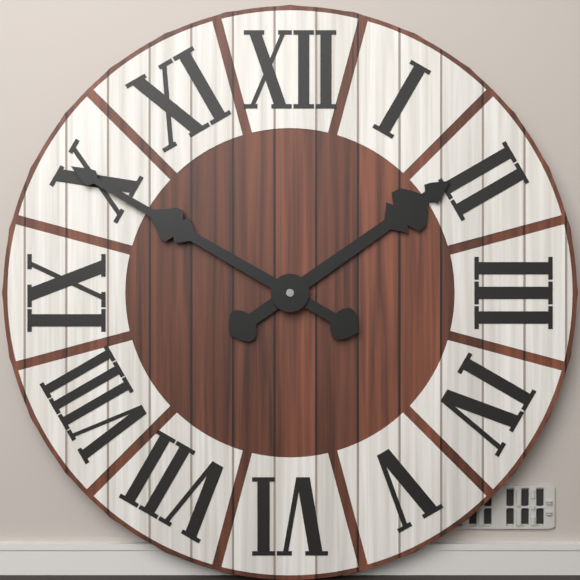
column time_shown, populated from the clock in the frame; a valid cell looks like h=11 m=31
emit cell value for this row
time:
h=1 m=50
